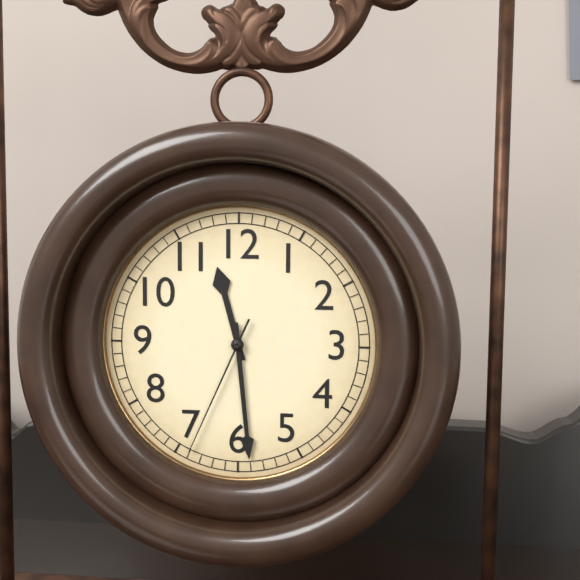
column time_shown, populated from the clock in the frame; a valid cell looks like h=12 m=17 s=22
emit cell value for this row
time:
h=11 m=29 s=34
